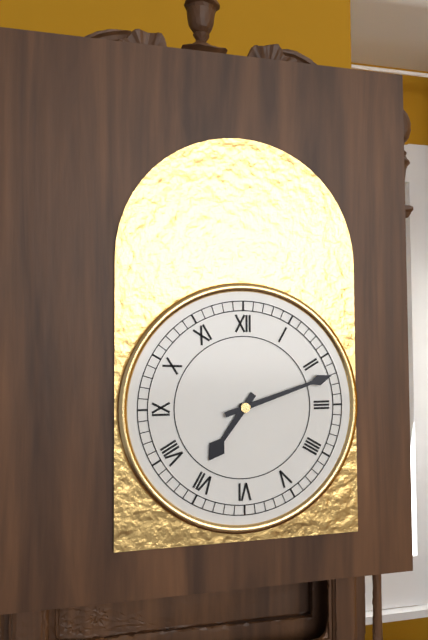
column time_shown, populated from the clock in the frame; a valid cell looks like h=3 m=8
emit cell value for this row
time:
h=7 m=12
